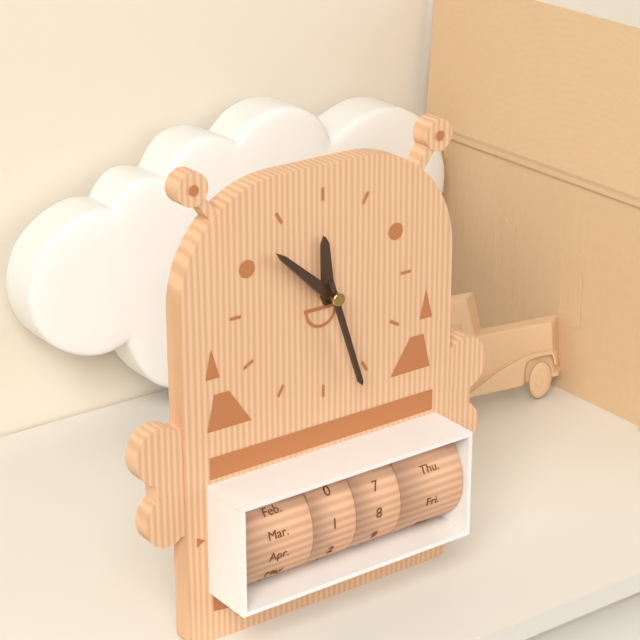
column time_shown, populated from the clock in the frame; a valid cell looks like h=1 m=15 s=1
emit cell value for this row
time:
h=11 m=52 s=27
